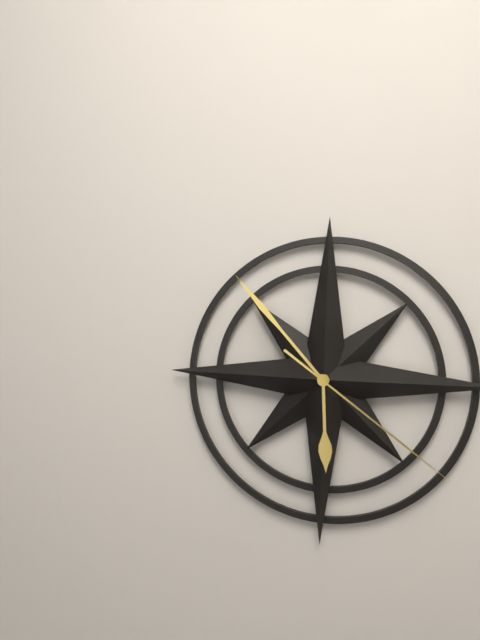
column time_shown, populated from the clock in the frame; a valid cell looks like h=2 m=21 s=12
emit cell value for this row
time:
h=5 m=53 s=21
